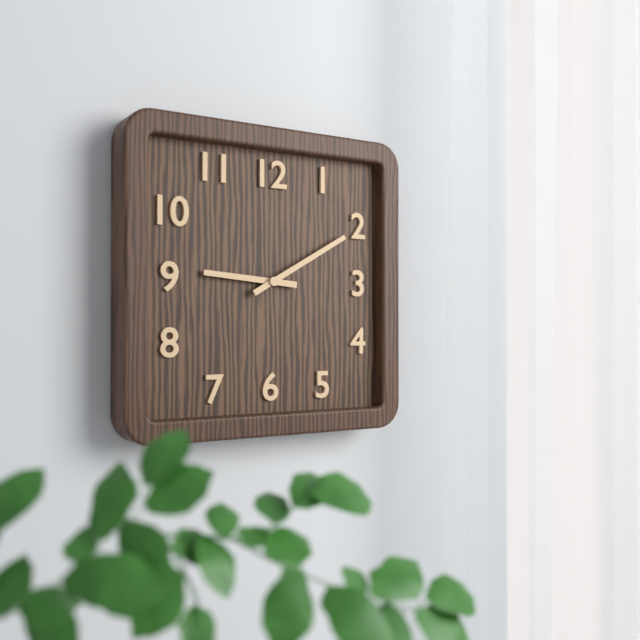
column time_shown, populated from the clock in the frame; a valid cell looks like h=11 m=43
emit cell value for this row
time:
h=9 m=10
